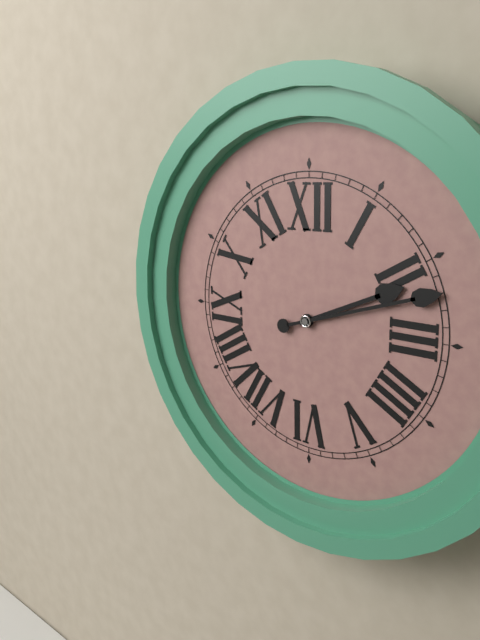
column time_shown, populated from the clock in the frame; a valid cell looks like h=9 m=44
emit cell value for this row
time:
h=2 m=12
